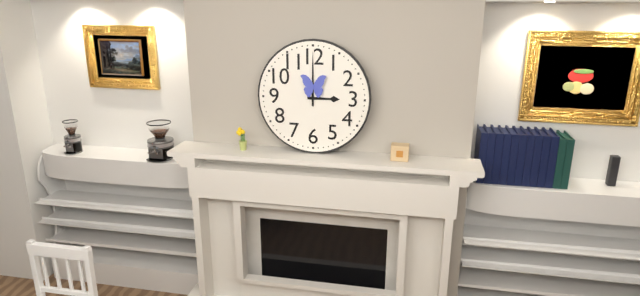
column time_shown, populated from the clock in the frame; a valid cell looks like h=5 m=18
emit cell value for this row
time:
h=3 m=0
